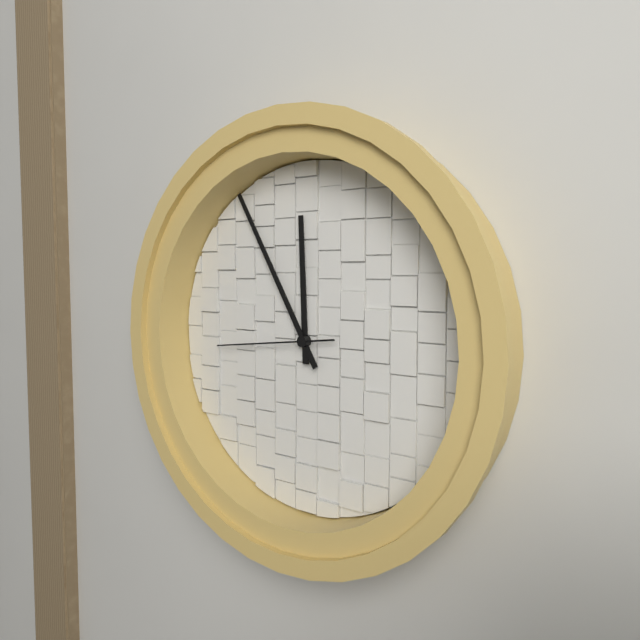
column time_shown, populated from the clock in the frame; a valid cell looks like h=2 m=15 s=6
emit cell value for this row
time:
h=11 m=55 s=44
